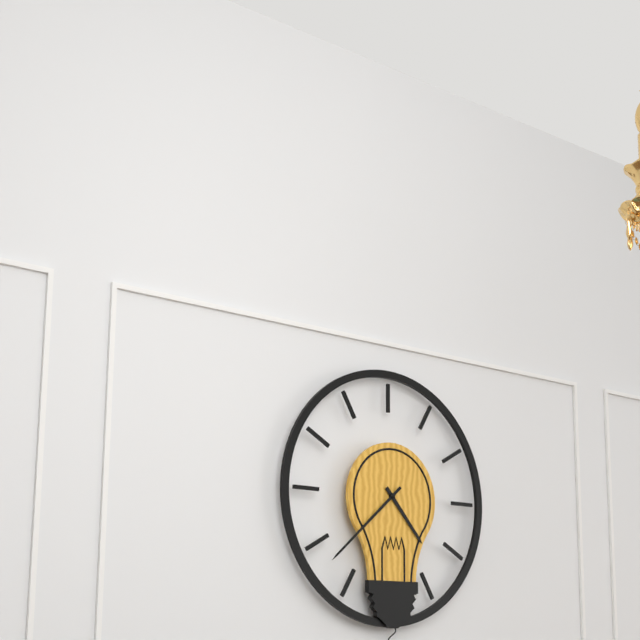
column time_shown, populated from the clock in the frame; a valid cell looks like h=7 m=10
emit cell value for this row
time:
h=4 m=38
